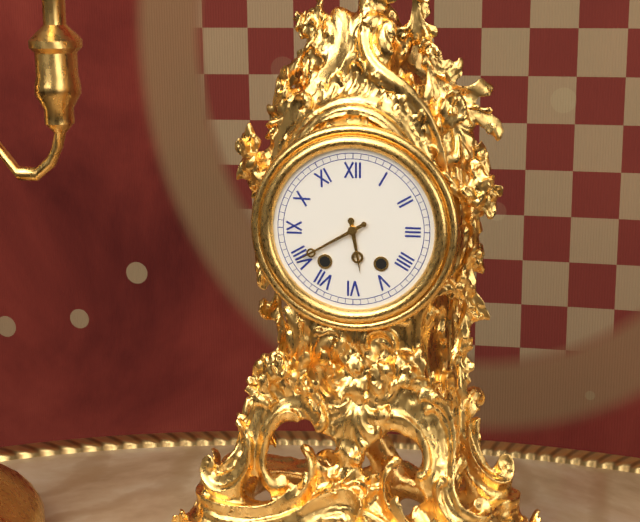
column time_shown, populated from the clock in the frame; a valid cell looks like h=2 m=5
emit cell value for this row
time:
h=5 m=40
